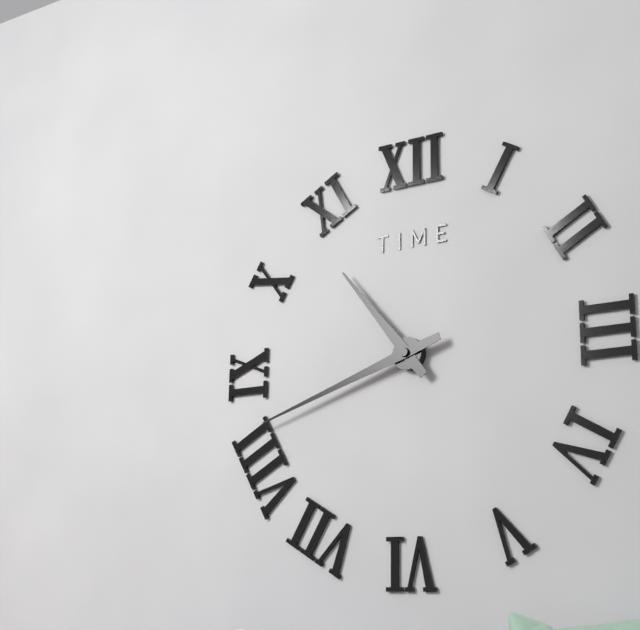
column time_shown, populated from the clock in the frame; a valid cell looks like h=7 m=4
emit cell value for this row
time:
h=10 m=42
